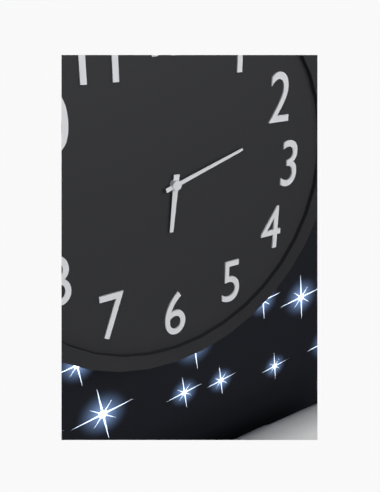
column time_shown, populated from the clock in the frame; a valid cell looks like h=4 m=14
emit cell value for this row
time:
h=6 m=12
